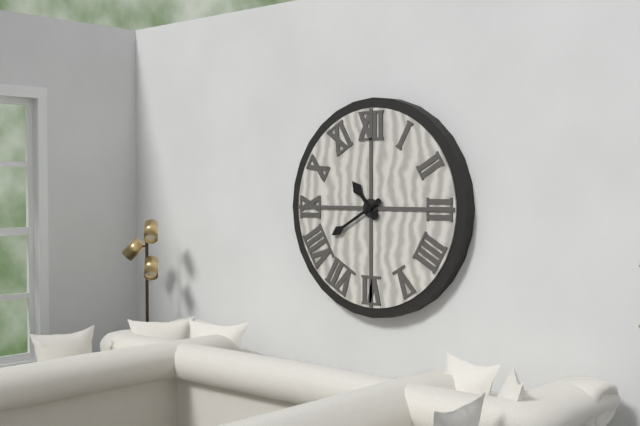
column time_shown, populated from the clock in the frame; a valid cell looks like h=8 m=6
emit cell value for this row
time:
h=10 m=40
